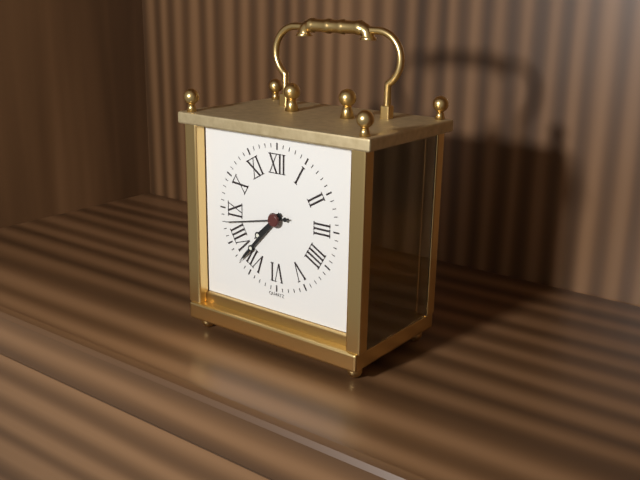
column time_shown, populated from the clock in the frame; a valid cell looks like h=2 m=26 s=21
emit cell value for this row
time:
h=7 m=37 s=43
